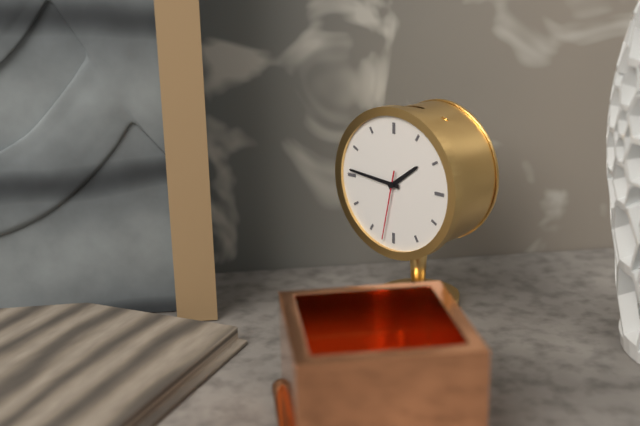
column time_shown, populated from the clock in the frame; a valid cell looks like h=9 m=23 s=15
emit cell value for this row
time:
h=1 m=46 s=32
